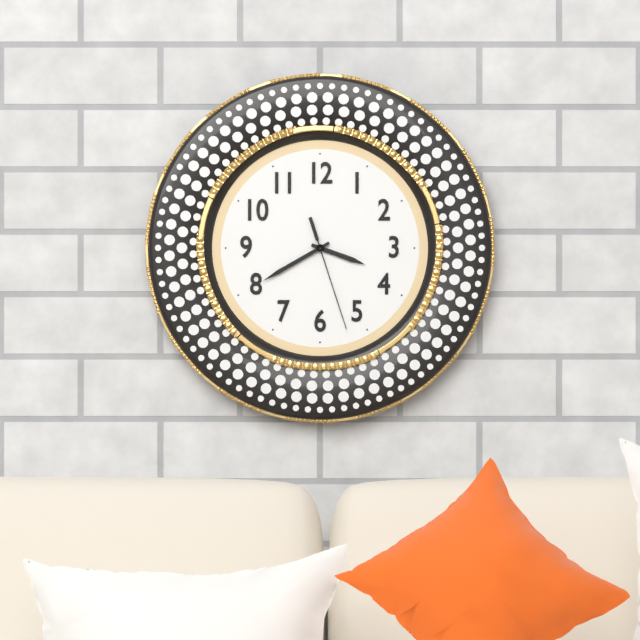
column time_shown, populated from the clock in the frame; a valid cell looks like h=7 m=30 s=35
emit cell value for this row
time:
h=3 m=40 s=27
